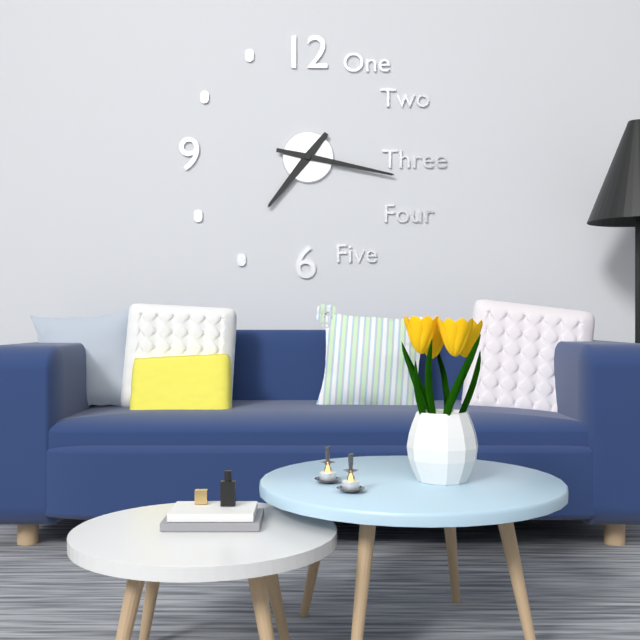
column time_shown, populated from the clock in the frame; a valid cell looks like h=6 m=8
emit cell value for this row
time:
h=7 m=17
